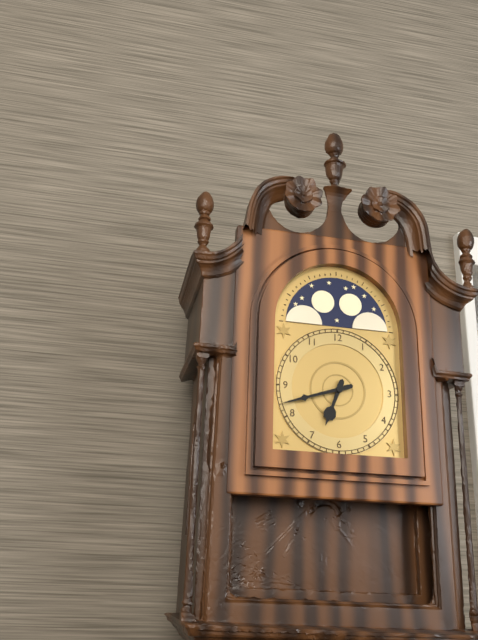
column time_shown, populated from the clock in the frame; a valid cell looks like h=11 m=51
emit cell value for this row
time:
h=6 m=42
